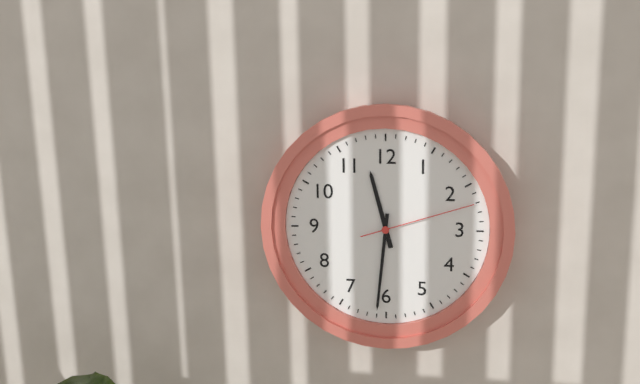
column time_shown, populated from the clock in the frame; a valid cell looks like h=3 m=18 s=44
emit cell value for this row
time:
h=11 m=31 s=12
